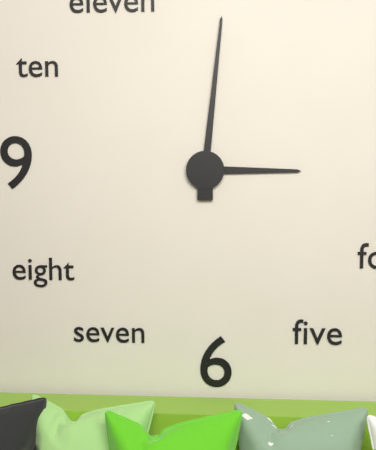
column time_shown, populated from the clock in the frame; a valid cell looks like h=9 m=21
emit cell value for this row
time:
h=3 m=1
